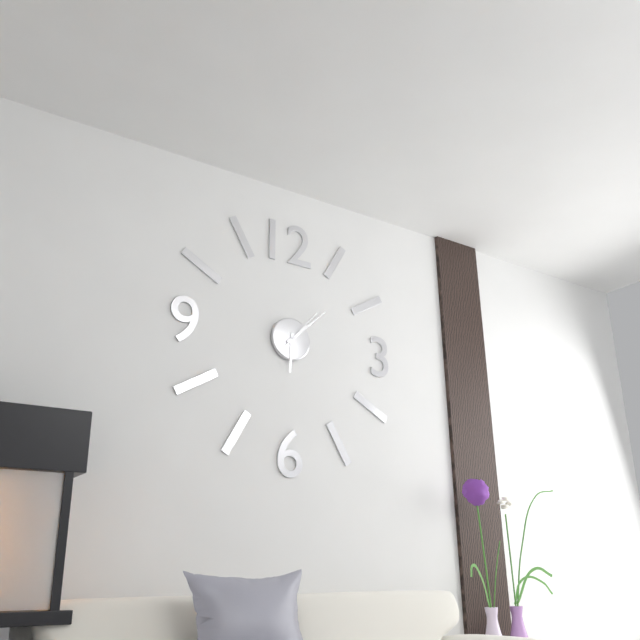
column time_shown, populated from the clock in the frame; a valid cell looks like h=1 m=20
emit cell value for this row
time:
h=6 m=8
